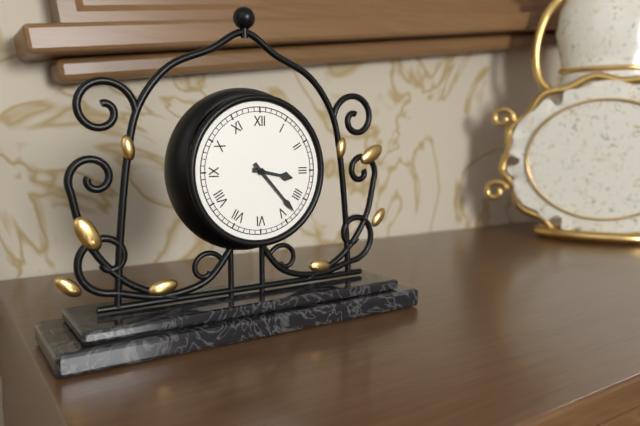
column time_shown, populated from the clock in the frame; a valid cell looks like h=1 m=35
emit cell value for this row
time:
h=3 m=23
